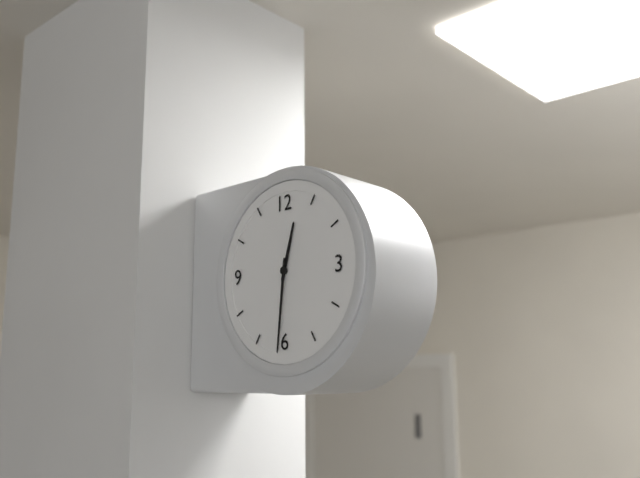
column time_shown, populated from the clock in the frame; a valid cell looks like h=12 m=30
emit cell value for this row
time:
h=12 m=31
